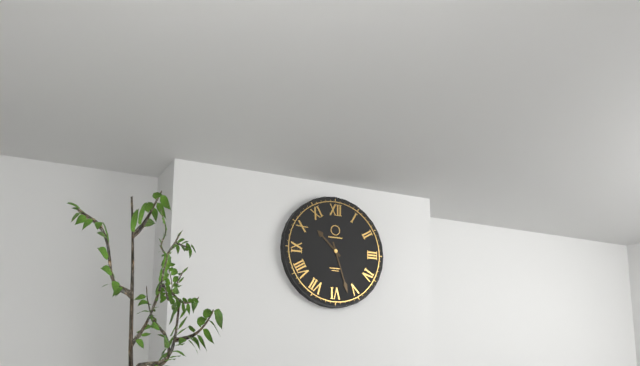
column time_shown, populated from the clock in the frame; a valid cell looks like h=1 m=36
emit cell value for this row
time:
h=10 m=27
